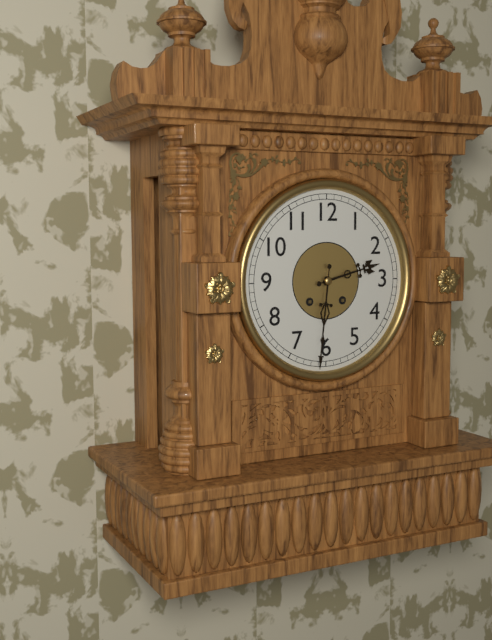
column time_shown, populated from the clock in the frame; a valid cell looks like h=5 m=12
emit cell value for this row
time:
h=2 m=31
